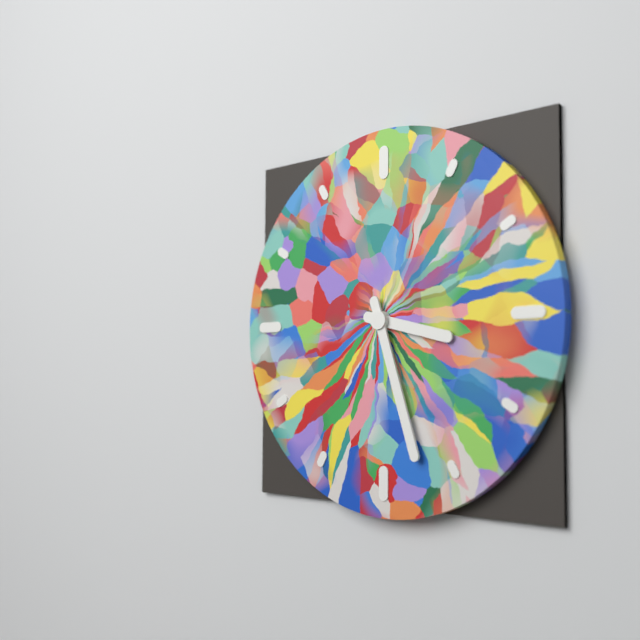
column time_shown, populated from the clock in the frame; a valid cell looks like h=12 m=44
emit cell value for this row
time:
h=3 m=27
